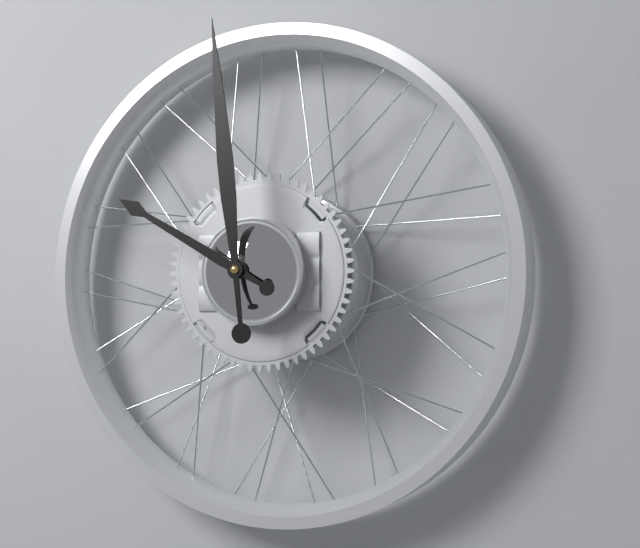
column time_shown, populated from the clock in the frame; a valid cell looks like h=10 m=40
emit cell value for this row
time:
h=9 m=59
